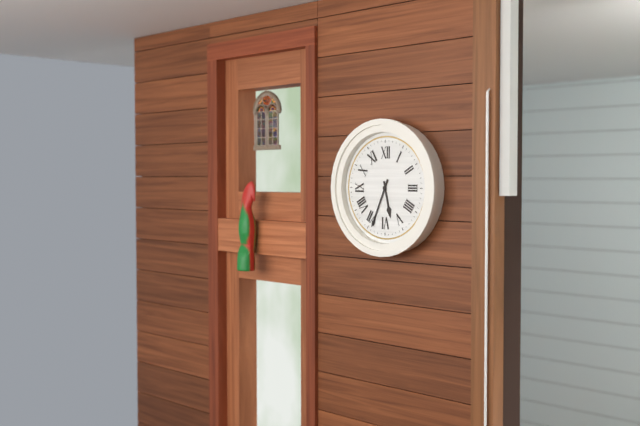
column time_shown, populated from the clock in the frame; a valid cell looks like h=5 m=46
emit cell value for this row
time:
h=5 m=34
